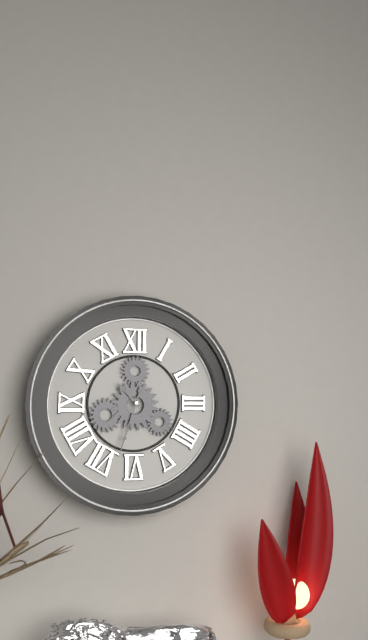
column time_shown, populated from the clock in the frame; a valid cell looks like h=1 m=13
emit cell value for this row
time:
h=10 m=33
